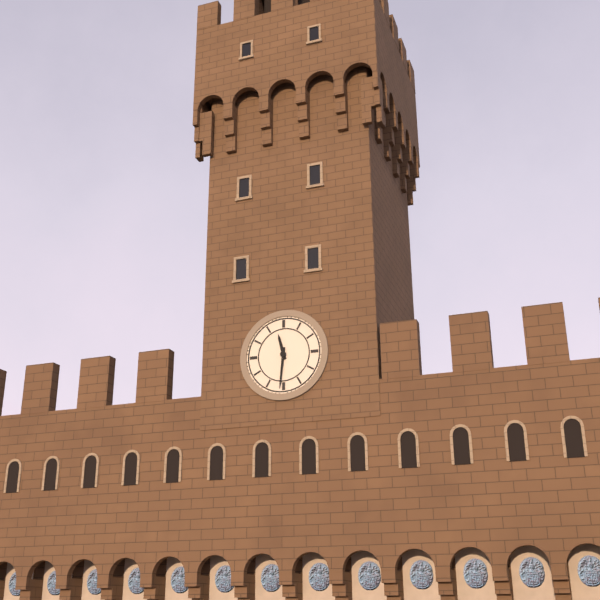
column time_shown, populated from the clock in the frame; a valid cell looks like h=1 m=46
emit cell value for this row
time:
h=11 m=31
